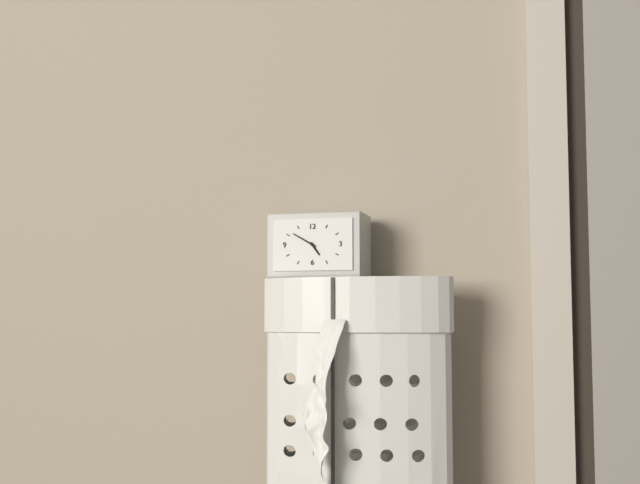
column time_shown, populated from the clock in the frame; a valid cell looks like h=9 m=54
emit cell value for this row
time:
h=4 m=50
